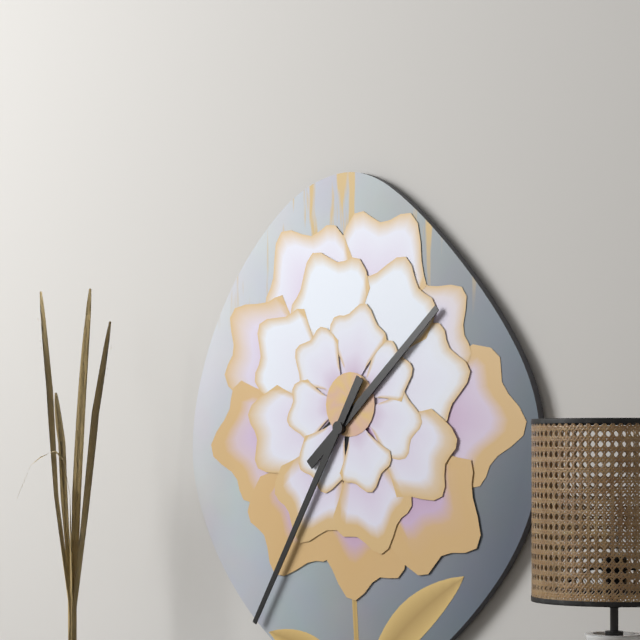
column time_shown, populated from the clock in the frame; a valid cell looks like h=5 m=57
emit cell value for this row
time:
h=1 m=35
